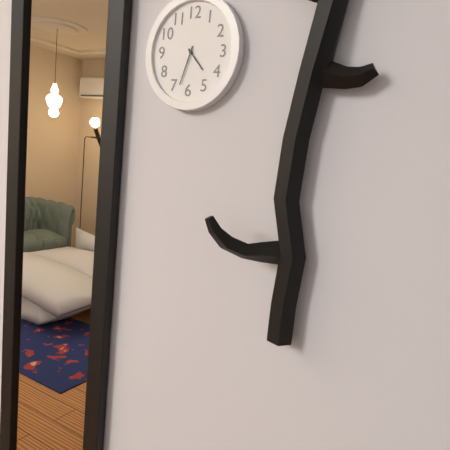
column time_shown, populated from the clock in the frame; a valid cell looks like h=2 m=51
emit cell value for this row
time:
h=4 m=33
